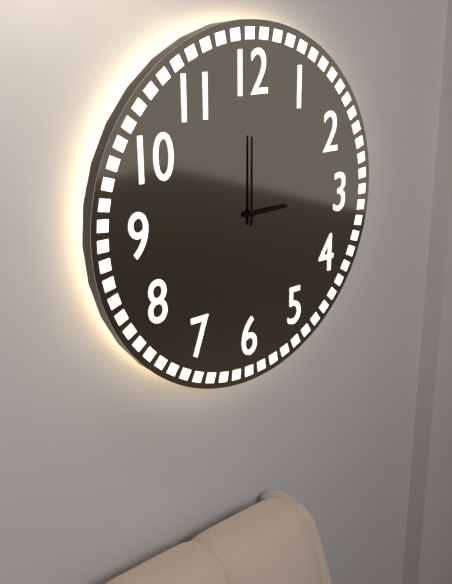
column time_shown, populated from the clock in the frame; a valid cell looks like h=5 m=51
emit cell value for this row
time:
h=3 m=0
